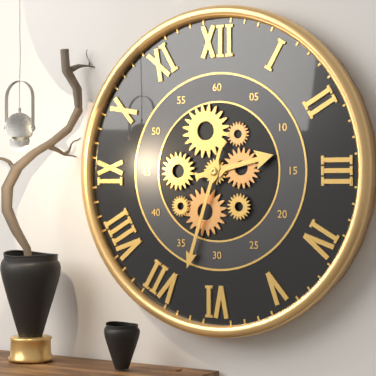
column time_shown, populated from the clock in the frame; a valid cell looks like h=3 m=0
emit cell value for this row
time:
h=2 m=33
